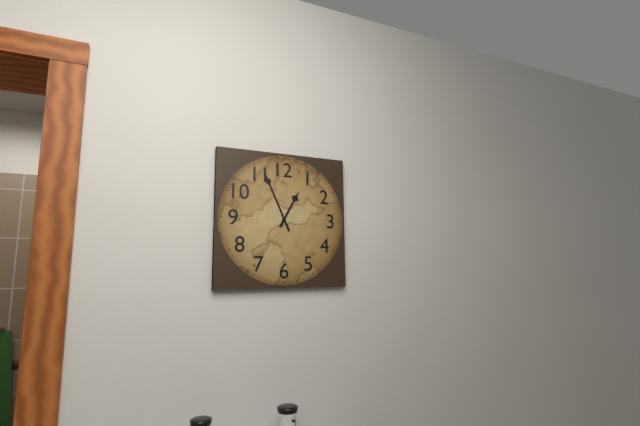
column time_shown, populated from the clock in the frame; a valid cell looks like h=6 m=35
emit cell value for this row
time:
h=12 m=56
